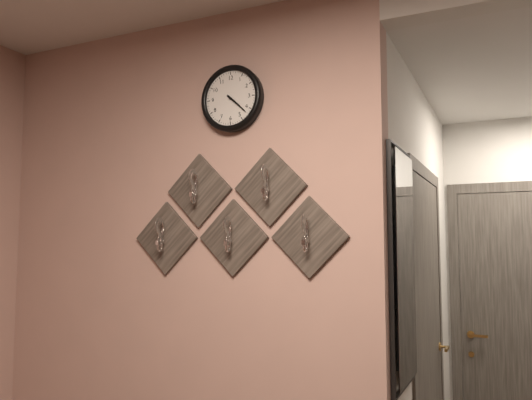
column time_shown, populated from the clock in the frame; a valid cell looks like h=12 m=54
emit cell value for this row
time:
h=4 m=22
